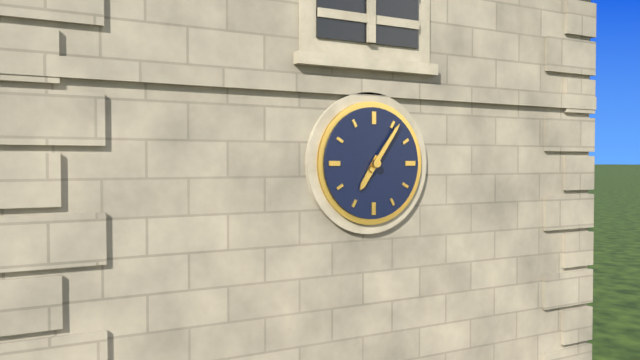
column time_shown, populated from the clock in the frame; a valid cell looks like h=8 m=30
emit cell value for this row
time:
h=7 m=6
